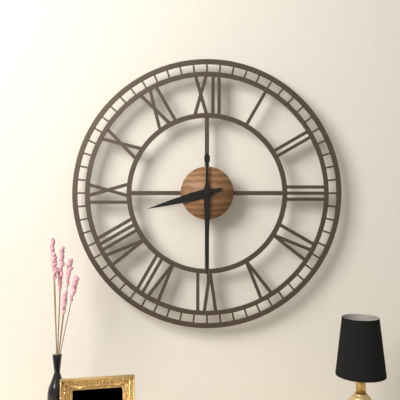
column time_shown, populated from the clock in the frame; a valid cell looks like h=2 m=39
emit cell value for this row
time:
h=8 m=30
